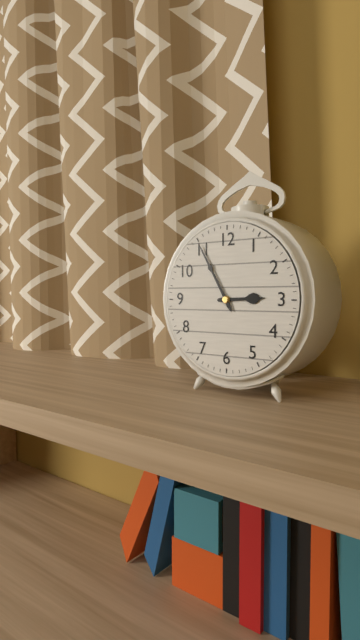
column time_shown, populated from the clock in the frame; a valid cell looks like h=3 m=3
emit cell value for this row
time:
h=2 m=55
